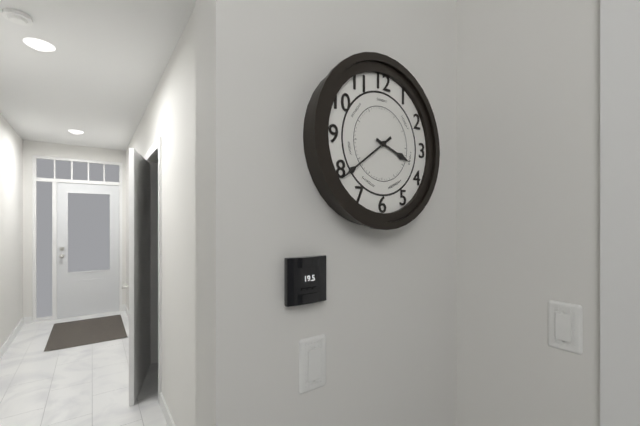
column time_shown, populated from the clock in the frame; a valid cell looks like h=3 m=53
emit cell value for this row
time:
h=3 m=39
